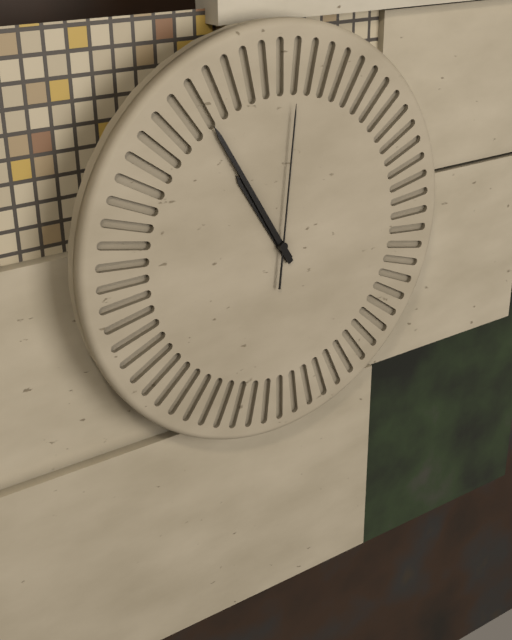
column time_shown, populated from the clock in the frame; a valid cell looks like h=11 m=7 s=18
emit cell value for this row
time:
h=10 m=55 s=1
